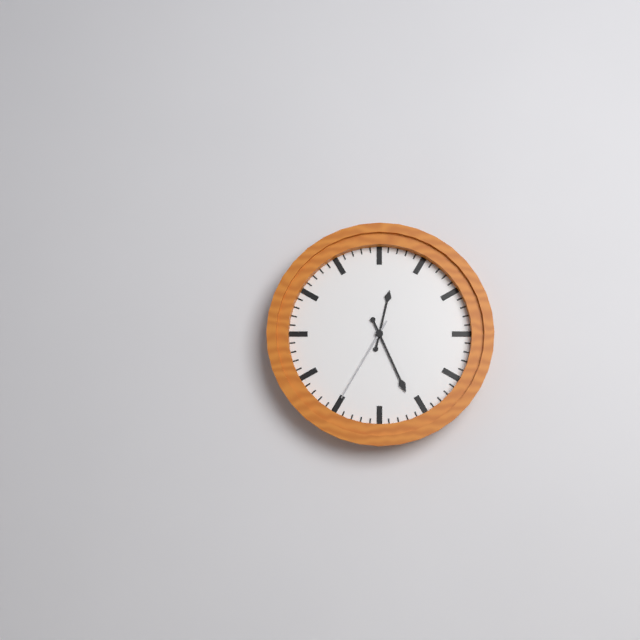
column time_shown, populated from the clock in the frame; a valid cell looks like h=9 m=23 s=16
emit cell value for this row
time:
h=12 m=26 s=35
